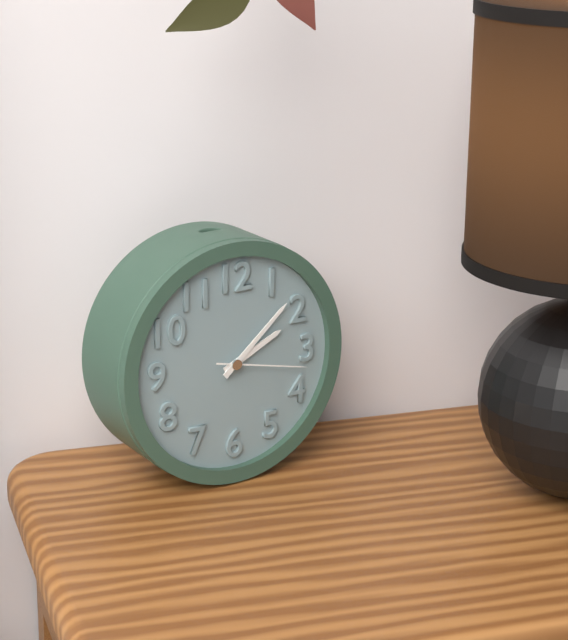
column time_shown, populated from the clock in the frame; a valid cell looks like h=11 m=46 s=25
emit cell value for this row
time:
h=2 m=8 s=17
